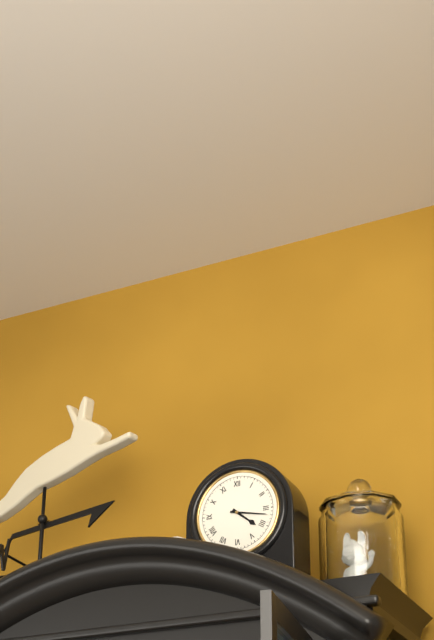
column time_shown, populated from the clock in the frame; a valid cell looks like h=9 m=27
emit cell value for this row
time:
h=4 m=17
